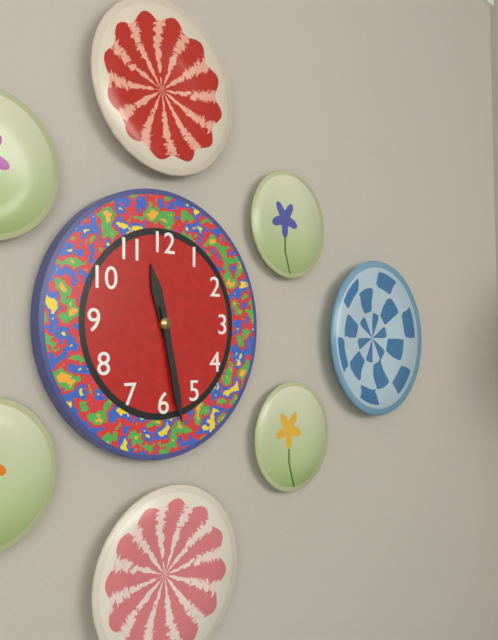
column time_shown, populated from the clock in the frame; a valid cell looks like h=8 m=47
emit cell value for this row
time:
h=11 m=28
